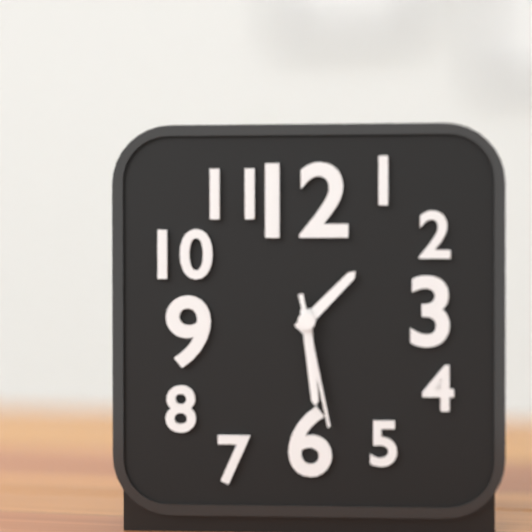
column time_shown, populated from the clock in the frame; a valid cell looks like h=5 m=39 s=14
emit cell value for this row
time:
h=1 m=29 s=28
